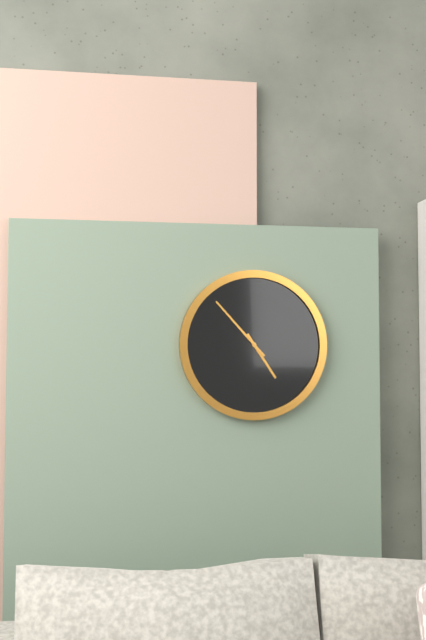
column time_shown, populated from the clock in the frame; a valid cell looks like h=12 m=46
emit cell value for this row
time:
h=4 m=53
